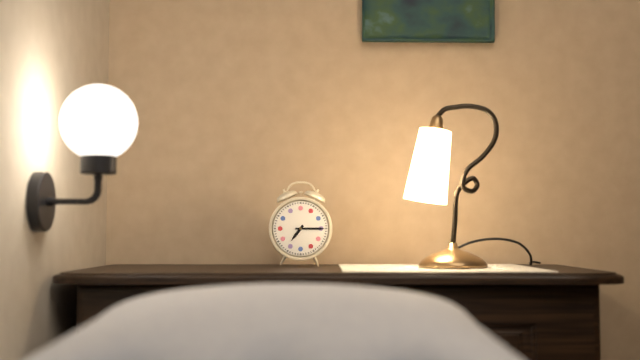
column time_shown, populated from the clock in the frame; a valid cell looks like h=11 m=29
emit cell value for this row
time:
h=7 m=15
